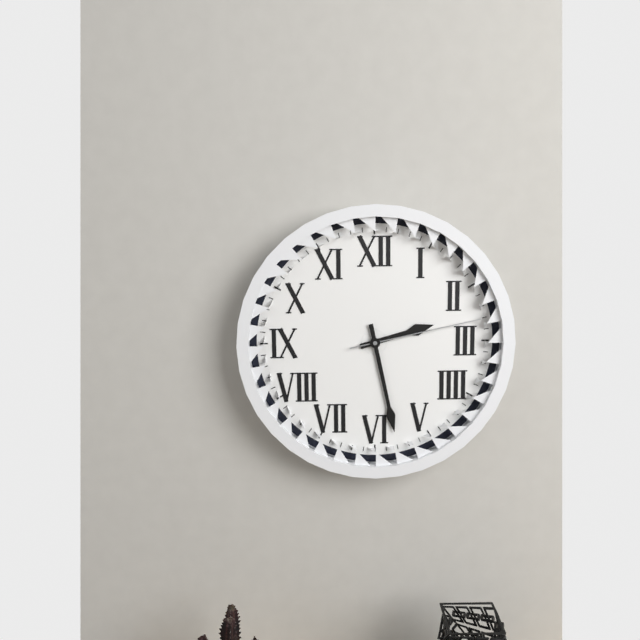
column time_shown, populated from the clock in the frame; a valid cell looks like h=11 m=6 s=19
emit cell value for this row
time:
h=2 m=28 s=13
